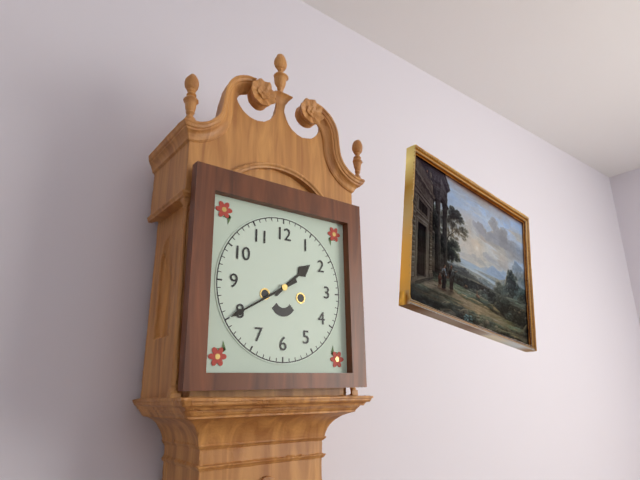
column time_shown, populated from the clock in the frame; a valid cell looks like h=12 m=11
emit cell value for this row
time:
h=1 m=40
